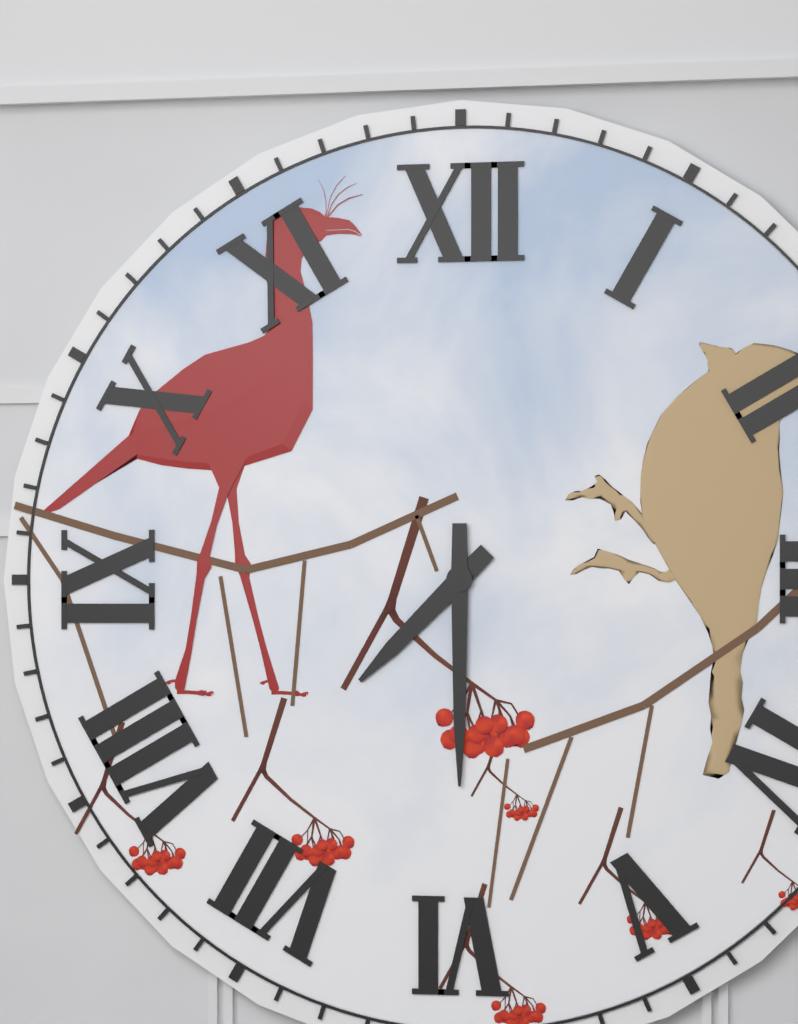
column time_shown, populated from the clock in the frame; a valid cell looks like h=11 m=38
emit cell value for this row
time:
h=7 m=30
